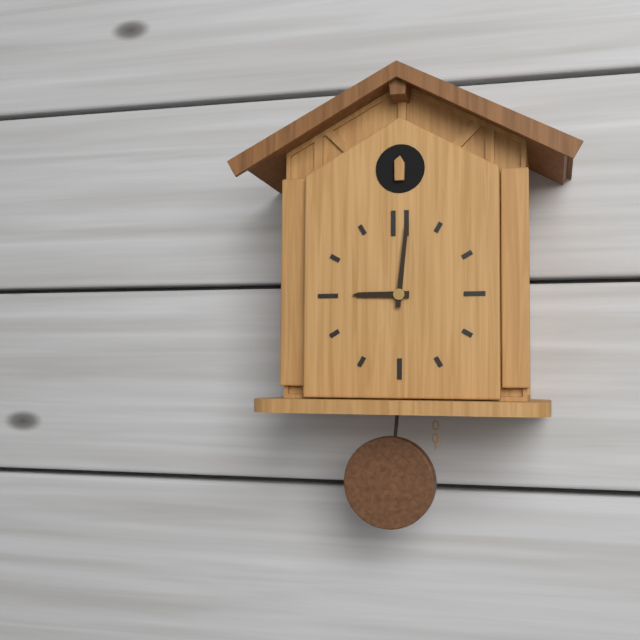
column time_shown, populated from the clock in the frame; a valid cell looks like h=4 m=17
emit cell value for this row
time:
h=9 m=1
